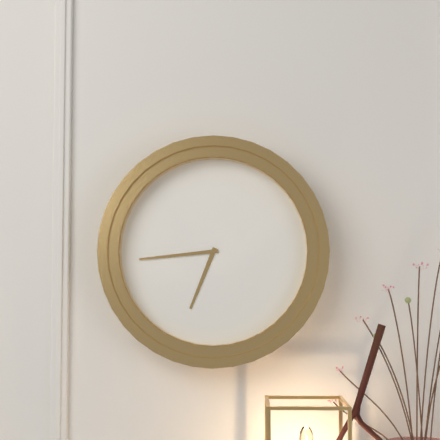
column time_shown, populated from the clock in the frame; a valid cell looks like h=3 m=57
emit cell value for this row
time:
h=6 m=44
